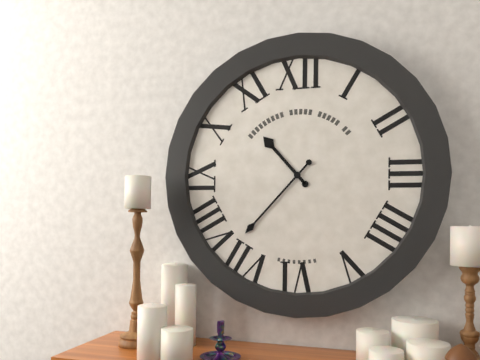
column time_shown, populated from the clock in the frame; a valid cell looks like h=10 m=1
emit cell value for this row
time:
h=10 m=37
